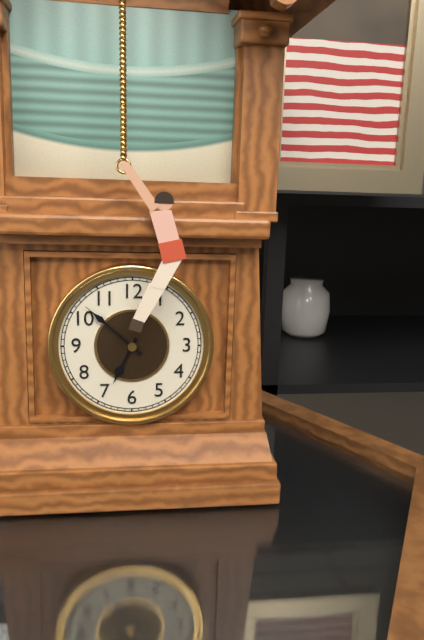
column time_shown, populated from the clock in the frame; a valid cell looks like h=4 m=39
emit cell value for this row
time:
h=6 m=52
